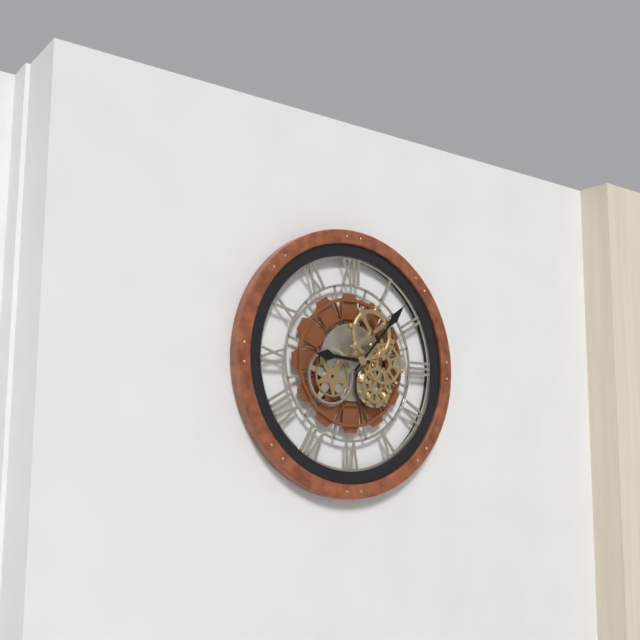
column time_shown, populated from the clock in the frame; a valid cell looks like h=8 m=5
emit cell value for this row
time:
h=9 m=7
